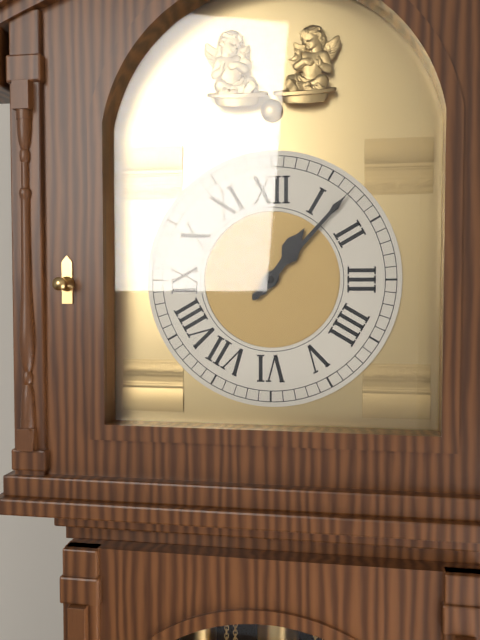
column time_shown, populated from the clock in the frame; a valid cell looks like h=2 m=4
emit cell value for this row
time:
h=1 m=7
